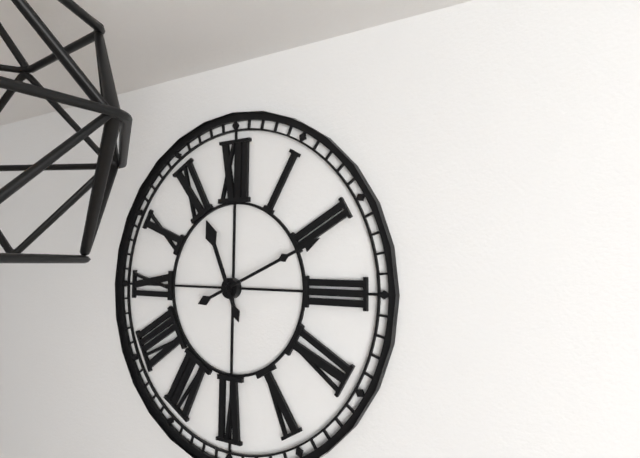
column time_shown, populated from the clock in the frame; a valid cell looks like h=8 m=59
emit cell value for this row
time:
h=11 m=11
